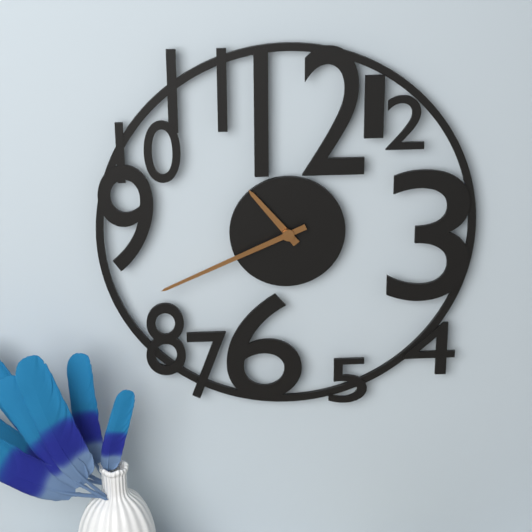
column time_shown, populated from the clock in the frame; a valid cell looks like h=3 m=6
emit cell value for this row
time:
h=10 m=41
